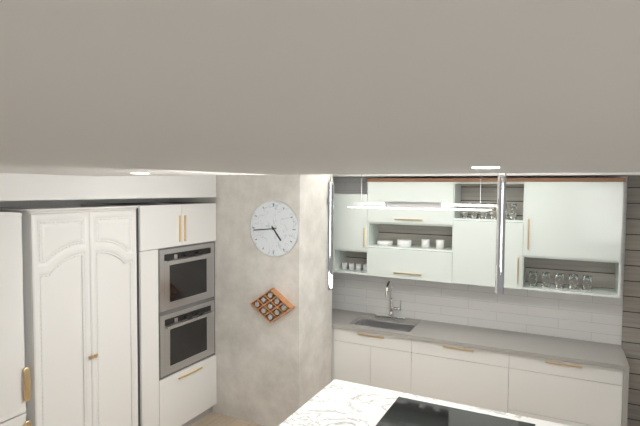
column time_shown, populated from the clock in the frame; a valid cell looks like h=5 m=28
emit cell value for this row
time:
h=4 m=44
